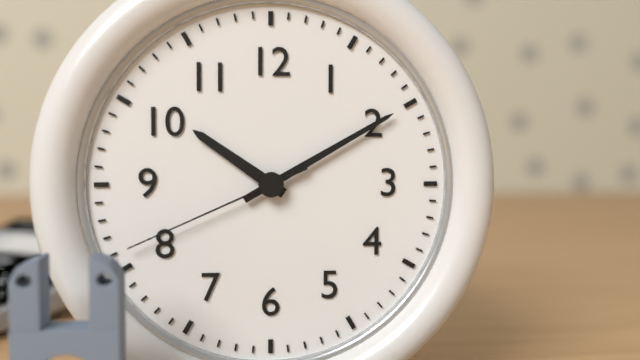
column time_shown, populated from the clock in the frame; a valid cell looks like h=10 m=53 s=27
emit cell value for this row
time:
h=10 m=10 s=41
